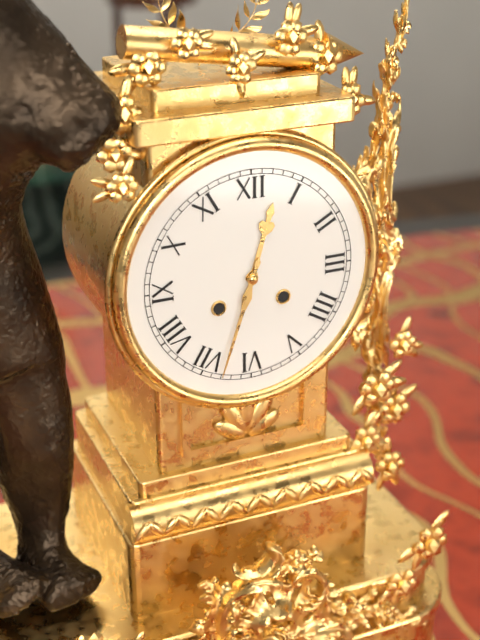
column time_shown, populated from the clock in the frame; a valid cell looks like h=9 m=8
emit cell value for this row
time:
h=12 m=33
